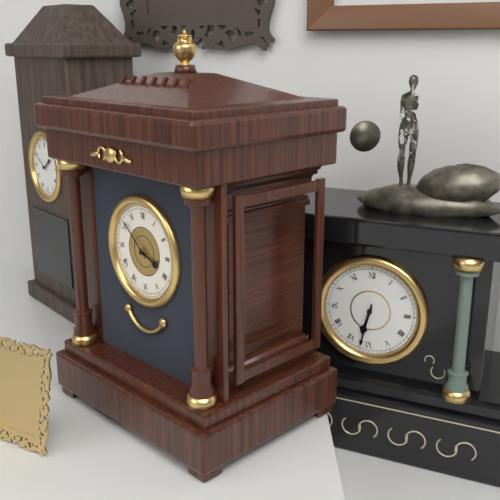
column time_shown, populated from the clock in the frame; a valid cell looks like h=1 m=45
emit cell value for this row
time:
h=3 m=52
